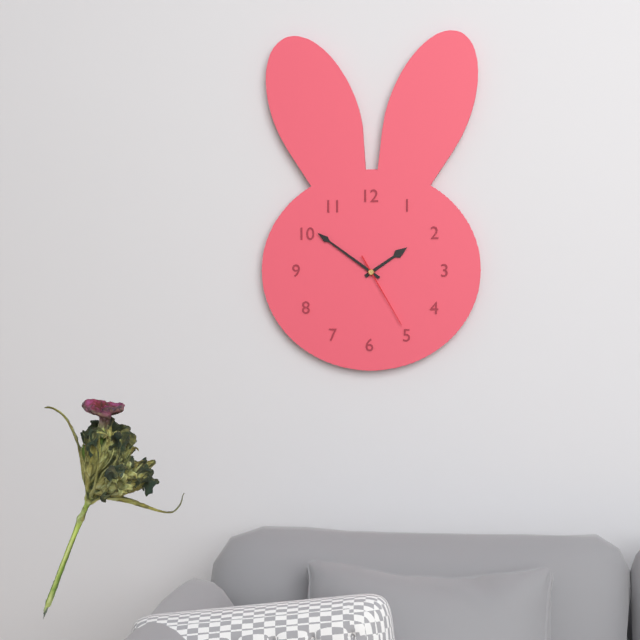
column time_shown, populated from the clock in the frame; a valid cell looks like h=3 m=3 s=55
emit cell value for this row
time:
h=1 m=51 s=25
